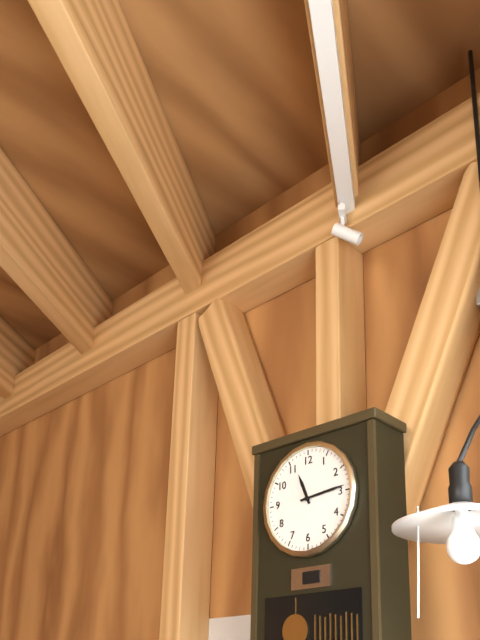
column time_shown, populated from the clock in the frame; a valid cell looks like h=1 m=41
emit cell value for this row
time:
h=11 m=14
